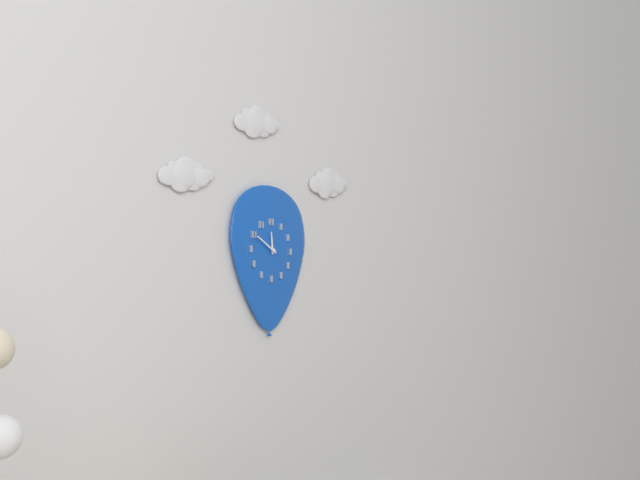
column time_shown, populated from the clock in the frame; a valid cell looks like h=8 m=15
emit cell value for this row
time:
h=11 m=50
